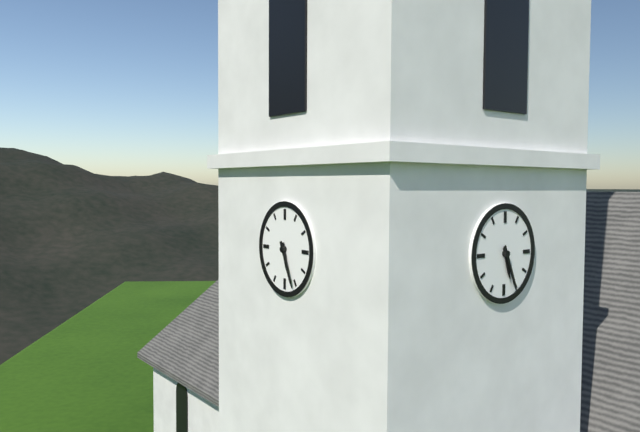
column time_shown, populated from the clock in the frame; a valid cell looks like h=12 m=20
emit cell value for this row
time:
h=5 m=26
